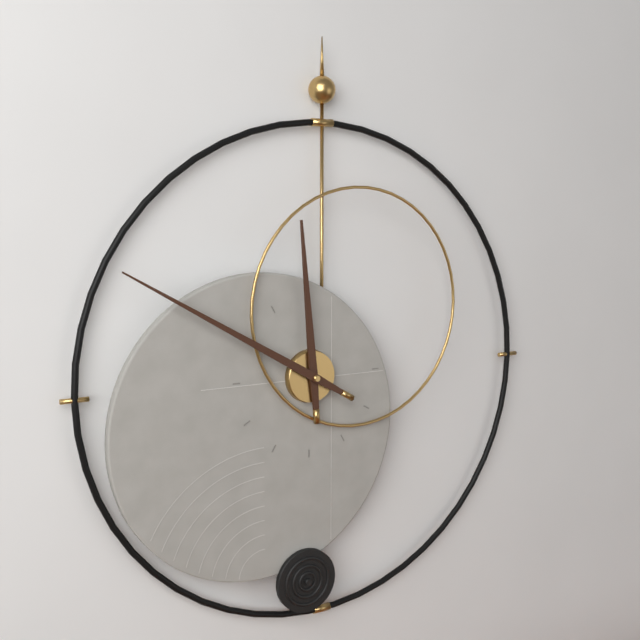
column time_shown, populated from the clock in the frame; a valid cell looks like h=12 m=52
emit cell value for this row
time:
h=11 m=50
